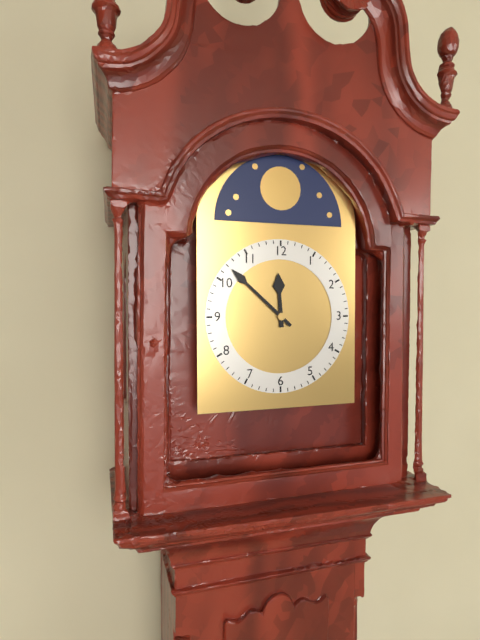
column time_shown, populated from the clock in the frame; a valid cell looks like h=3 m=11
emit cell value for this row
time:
h=11 m=52
